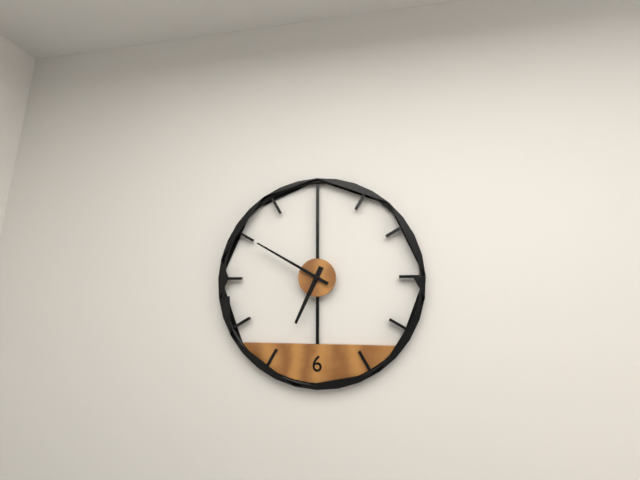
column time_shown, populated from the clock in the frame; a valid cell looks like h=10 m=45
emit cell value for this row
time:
h=6 m=50
